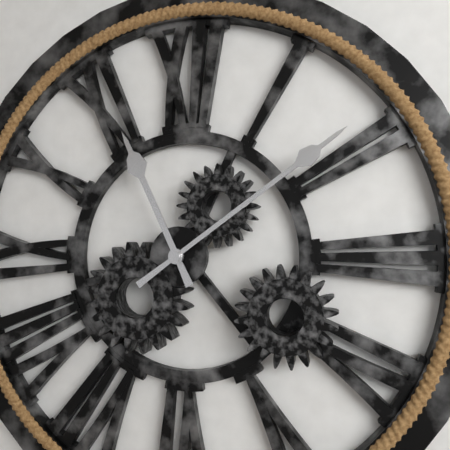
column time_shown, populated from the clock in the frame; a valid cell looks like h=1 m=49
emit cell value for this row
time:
h=11 m=9
